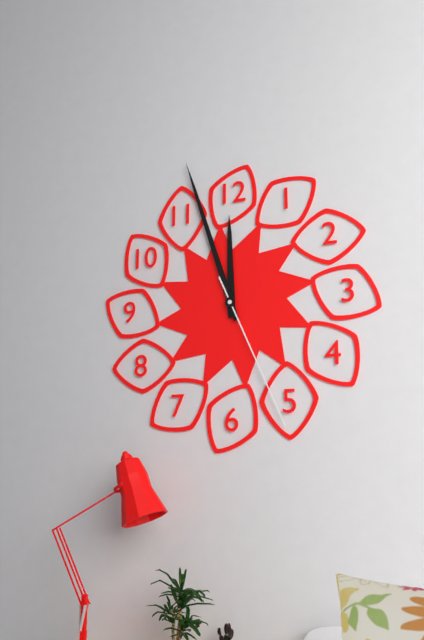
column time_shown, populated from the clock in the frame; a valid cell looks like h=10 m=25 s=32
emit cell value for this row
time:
h=11 m=57 s=26
